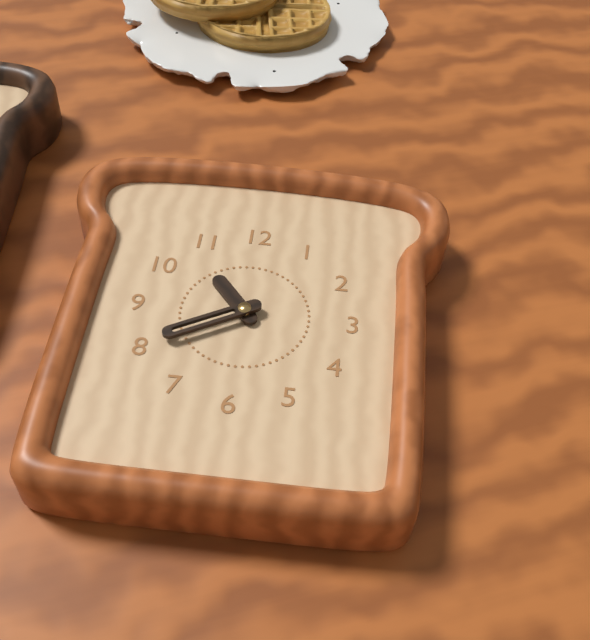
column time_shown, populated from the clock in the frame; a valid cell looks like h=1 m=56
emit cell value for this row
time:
h=10 m=40
